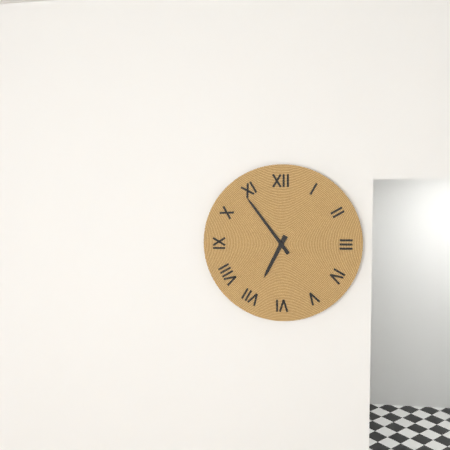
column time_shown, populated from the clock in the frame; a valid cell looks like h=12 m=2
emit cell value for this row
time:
h=6 m=54
